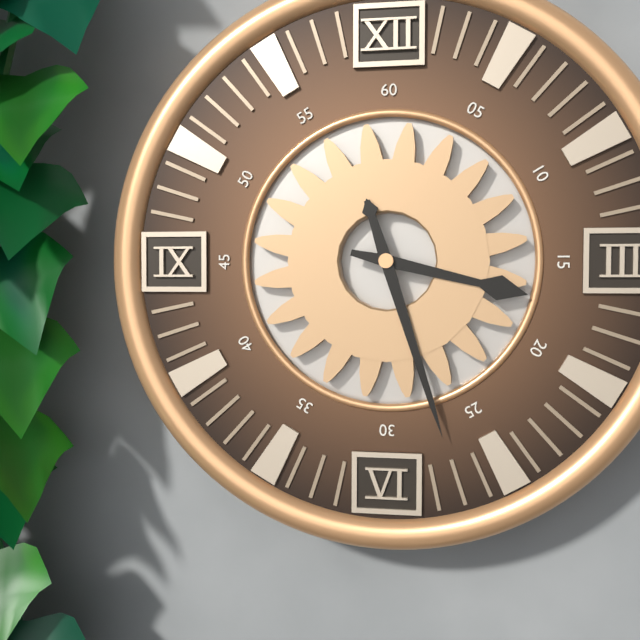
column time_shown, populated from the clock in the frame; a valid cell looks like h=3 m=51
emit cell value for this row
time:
h=3 m=27
